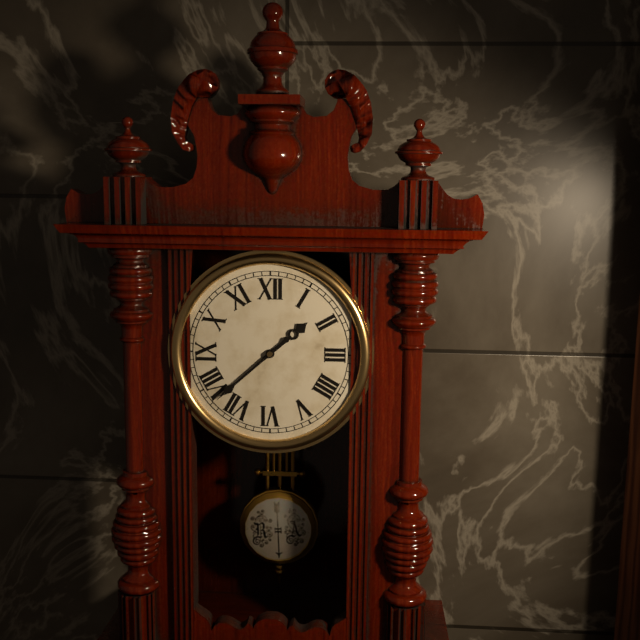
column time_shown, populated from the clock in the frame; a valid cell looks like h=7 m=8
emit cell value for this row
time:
h=1 m=38
